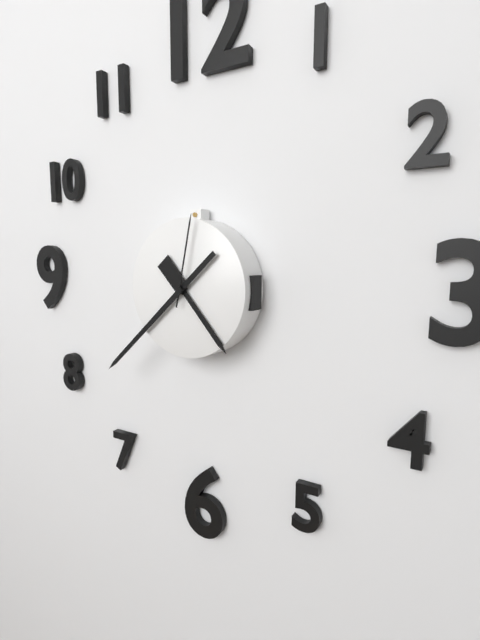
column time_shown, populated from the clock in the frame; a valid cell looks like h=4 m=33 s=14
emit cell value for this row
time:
h=4 m=38 s=2
